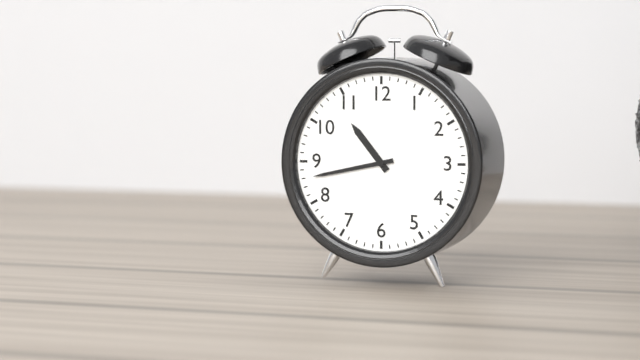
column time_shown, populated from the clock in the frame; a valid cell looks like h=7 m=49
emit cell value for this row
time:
h=10 m=43
